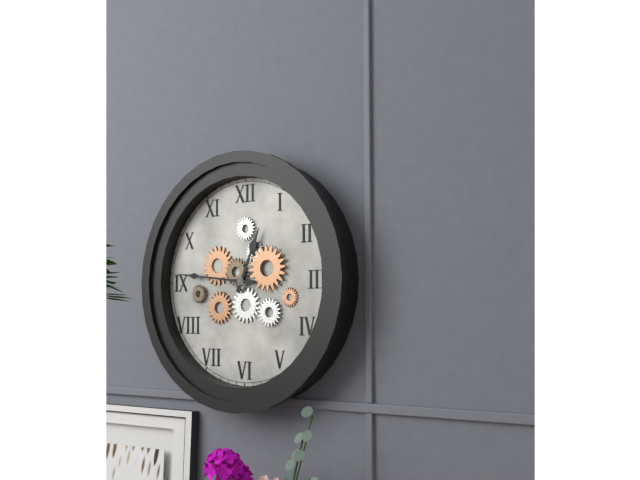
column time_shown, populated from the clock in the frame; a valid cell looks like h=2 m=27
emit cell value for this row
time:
h=12 m=46
